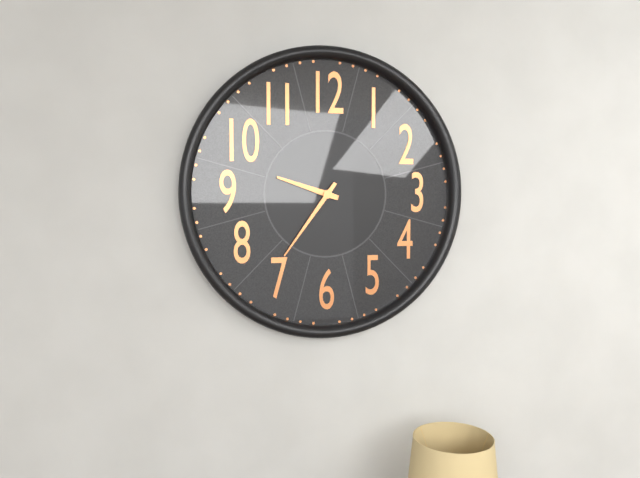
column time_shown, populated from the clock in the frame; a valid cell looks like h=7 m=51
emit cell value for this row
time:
h=9 m=36
